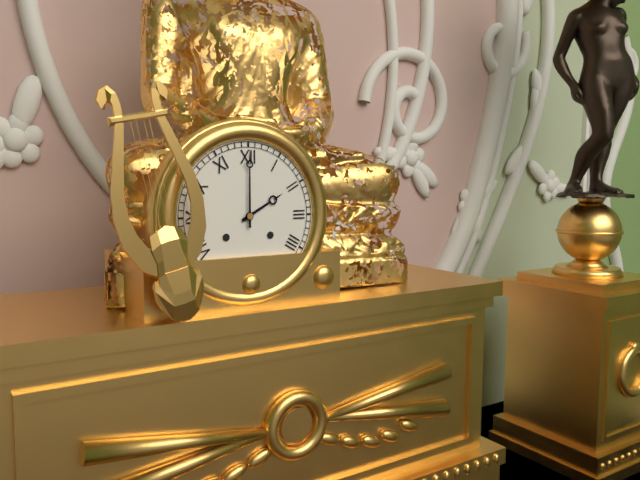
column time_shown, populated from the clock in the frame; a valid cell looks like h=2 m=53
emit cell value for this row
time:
h=2 m=0
